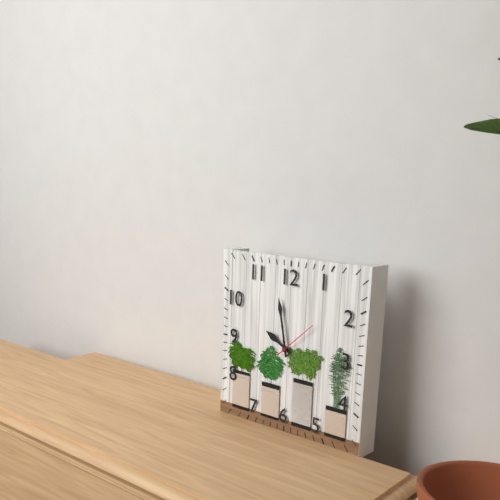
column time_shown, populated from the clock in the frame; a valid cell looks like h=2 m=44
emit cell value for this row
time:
h=9 m=58
